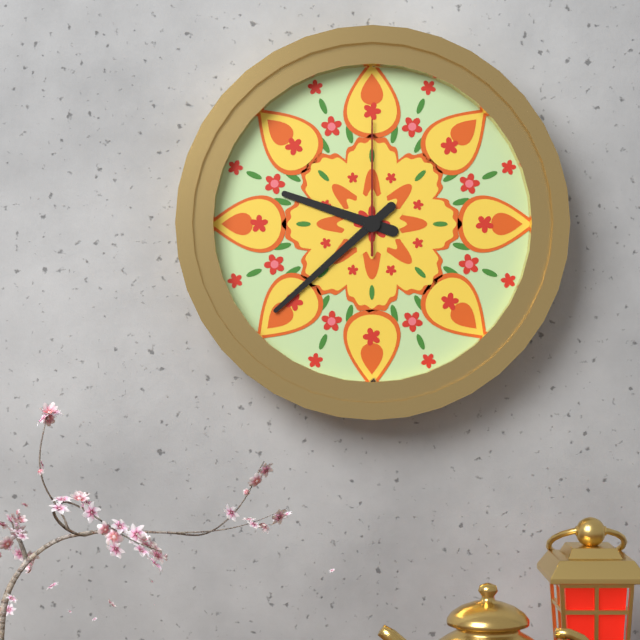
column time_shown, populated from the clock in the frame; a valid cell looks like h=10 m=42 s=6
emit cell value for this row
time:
h=9 m=38 s=0
